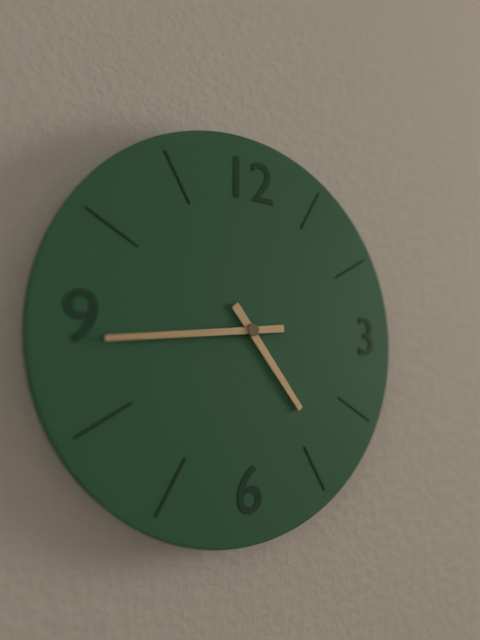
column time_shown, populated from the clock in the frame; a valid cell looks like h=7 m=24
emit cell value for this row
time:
h=4 m=44
